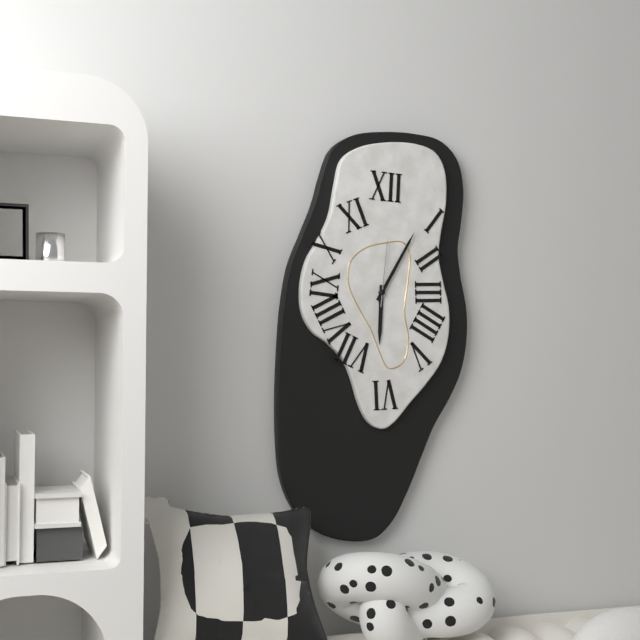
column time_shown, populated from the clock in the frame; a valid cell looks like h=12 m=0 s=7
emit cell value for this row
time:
h=6 m=5 s=1
